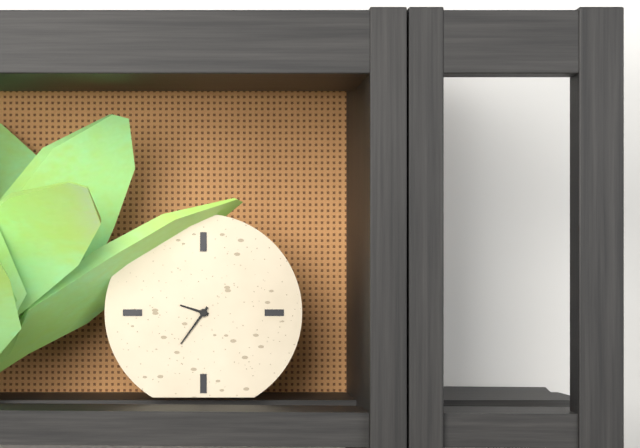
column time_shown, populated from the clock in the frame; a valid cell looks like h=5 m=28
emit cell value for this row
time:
h=9 m=36
